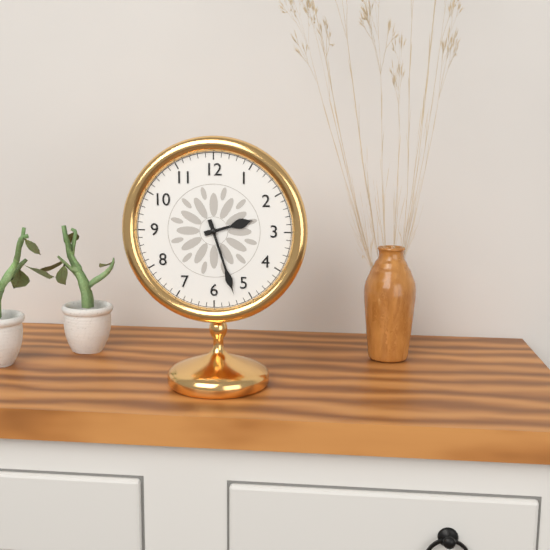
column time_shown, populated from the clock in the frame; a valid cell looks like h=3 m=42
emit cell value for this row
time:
h=2 m=27
